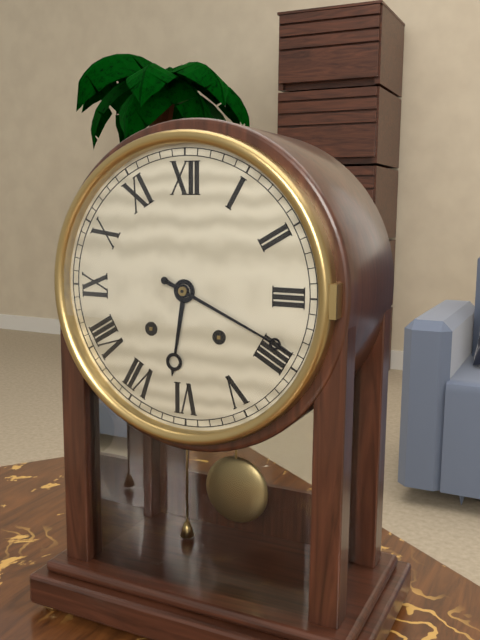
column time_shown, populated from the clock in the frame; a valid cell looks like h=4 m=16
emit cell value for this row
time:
h=6 m=19
